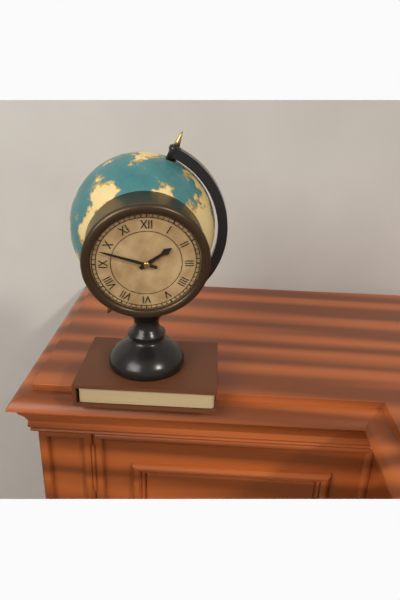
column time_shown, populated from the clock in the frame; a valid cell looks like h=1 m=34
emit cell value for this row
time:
h=1 m=48
